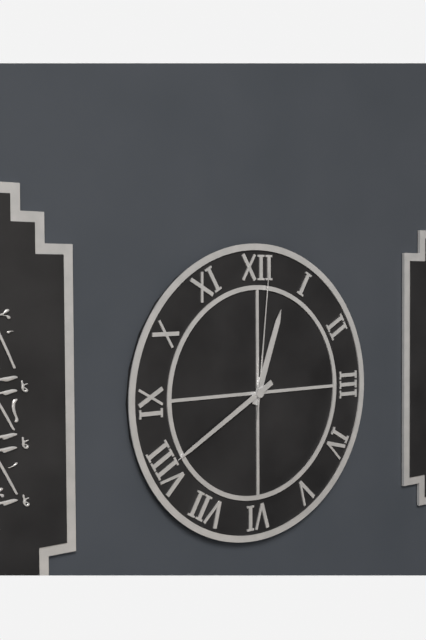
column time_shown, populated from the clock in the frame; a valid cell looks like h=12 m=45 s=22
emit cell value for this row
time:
h=12 m=40 s=1
